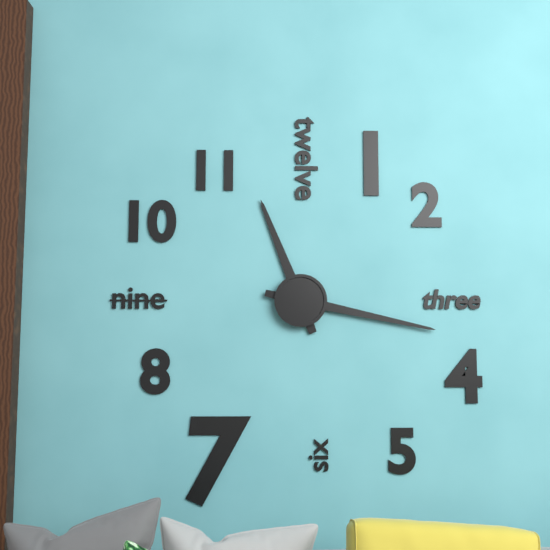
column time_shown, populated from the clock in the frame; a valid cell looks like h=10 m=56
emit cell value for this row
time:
h=11 m=17
